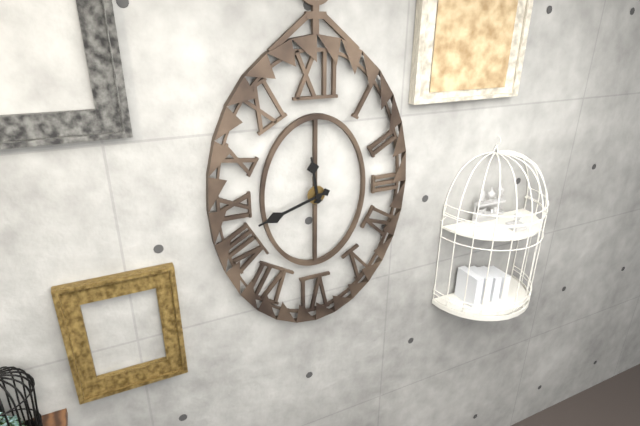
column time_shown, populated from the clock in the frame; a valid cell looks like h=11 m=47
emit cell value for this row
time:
h=11 m=42
